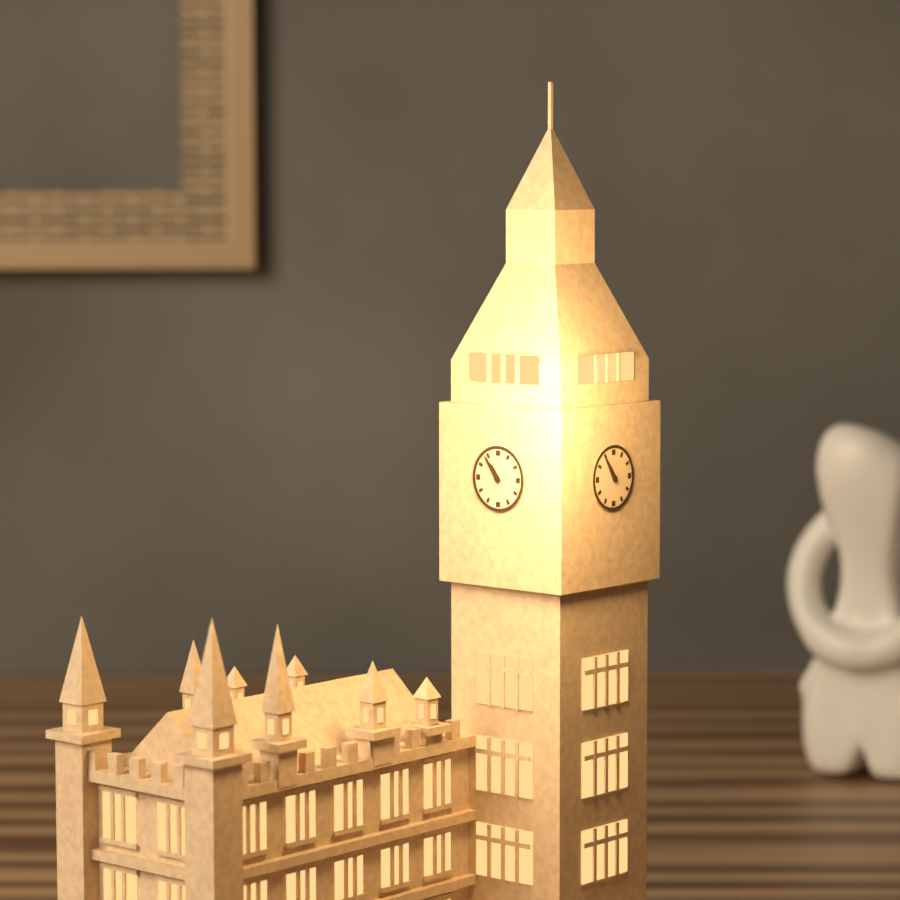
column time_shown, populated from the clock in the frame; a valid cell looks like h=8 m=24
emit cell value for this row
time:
h=10 m=54
